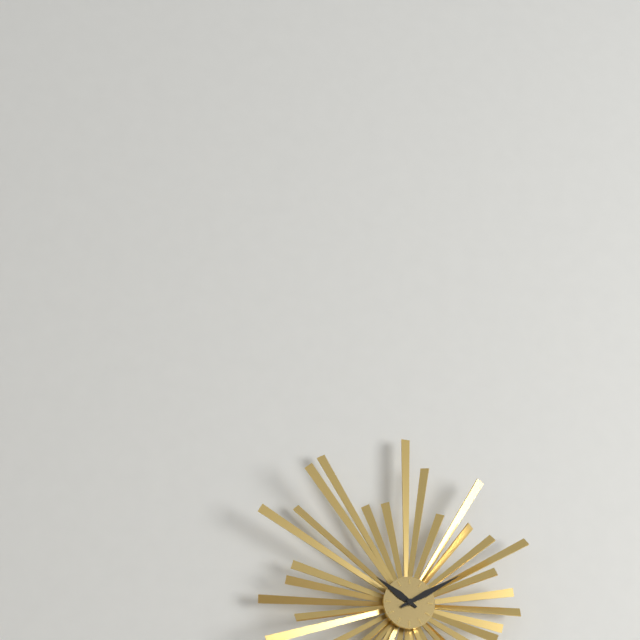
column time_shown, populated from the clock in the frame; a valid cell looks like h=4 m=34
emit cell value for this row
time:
h=10 m=10
